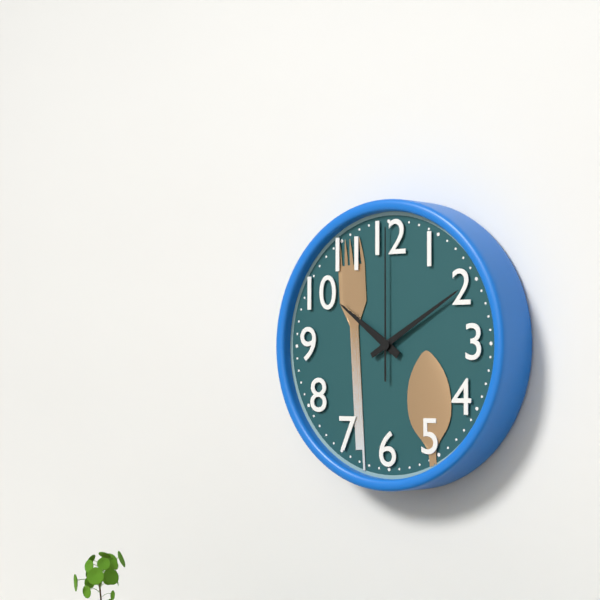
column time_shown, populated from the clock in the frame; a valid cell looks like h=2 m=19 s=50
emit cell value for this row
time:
h=10 m=10 s=0
